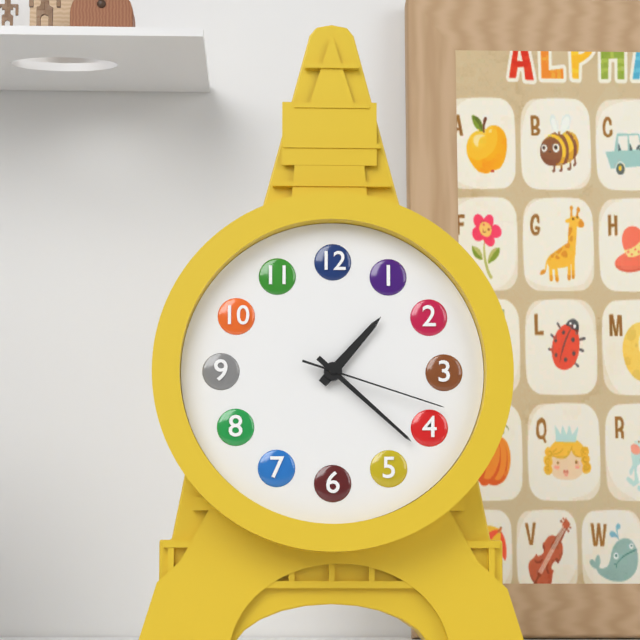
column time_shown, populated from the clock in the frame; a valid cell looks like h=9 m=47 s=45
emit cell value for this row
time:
h=1 m=22 s=18
